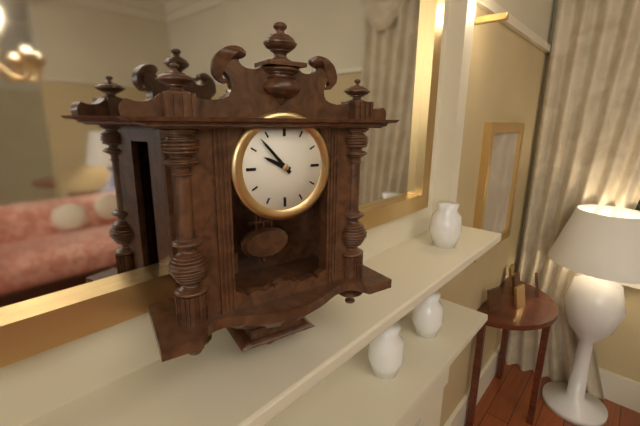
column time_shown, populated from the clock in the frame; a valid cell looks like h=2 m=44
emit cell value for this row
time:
h=9 m=53
